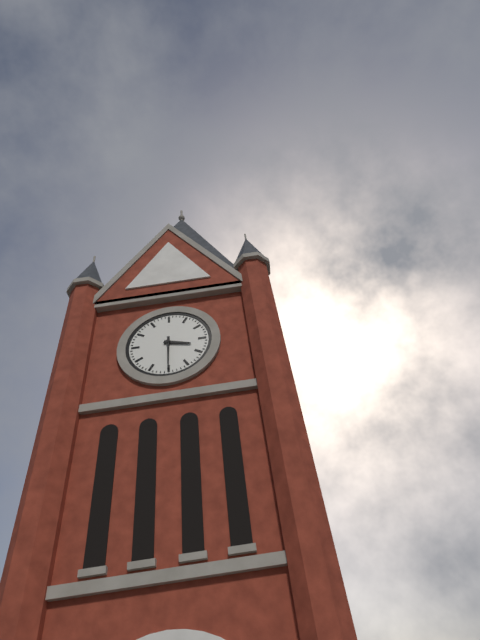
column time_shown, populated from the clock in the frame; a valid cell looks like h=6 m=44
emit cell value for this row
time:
h=3 m=30
